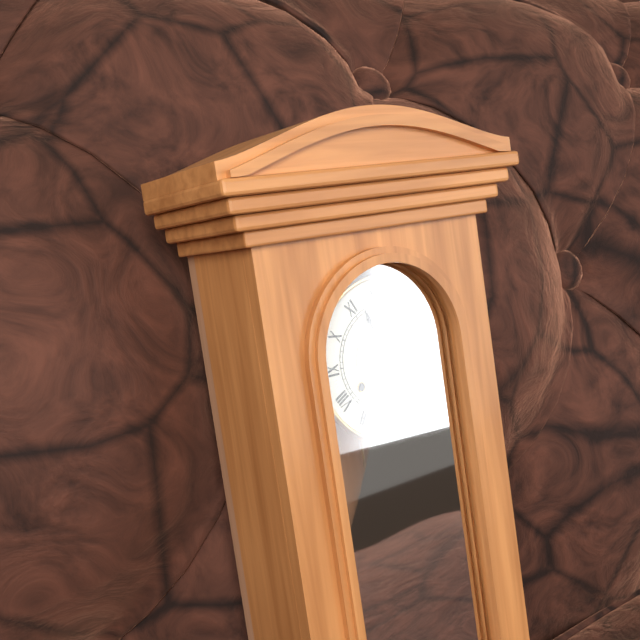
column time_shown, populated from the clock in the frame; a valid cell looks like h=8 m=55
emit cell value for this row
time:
h=6 m=57
